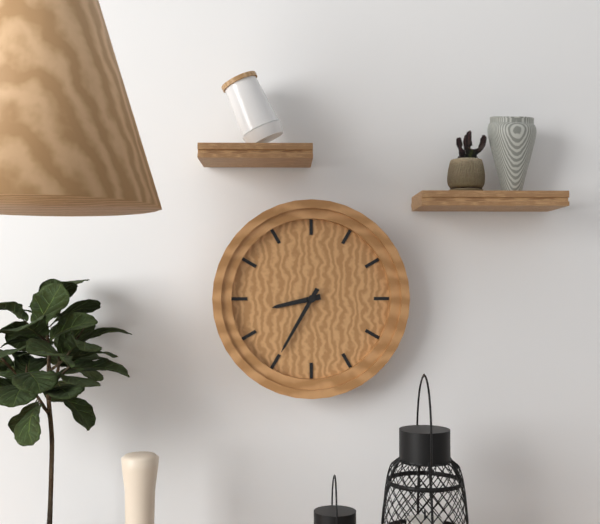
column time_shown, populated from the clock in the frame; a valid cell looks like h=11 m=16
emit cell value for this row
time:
h=8 m=35
